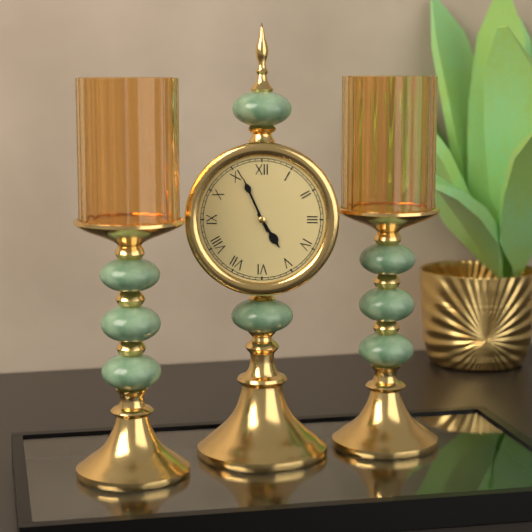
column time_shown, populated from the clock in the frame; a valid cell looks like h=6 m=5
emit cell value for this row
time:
h=4 m=56
